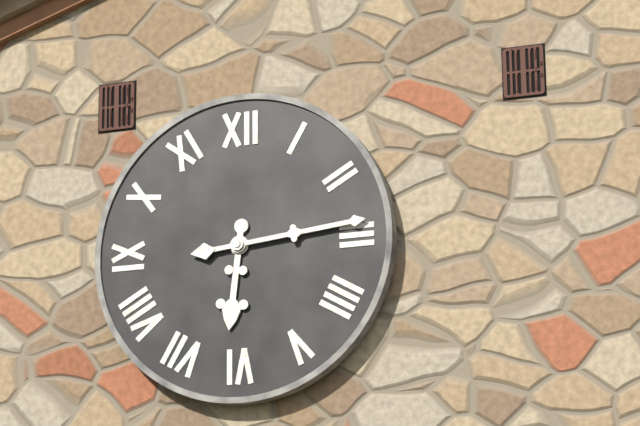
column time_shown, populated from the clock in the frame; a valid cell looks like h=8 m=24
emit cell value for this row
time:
h=6 m=14
